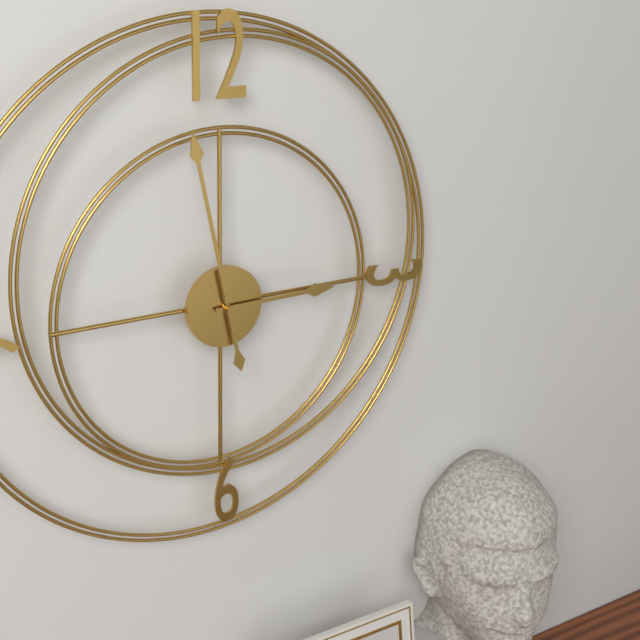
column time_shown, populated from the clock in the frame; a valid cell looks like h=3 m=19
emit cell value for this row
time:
h=2 m=58
